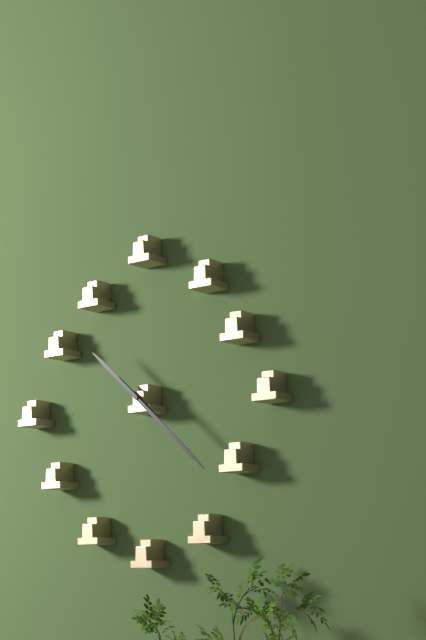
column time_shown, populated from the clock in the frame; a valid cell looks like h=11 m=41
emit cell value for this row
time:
h=10 m=22
